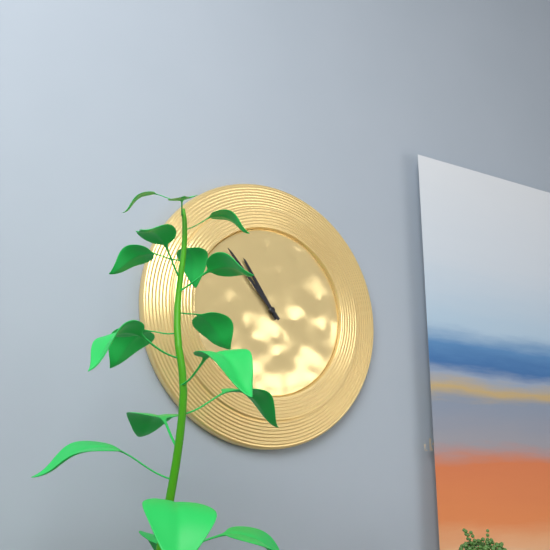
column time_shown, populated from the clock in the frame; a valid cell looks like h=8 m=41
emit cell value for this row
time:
h=10 m=53
